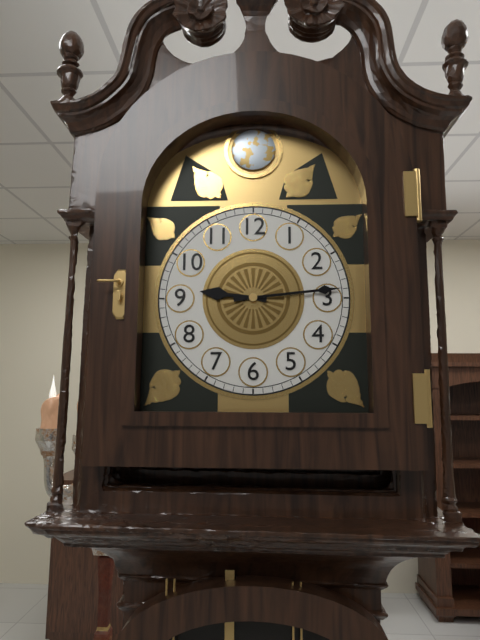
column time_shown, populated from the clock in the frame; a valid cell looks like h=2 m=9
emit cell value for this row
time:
h=9 m=14
